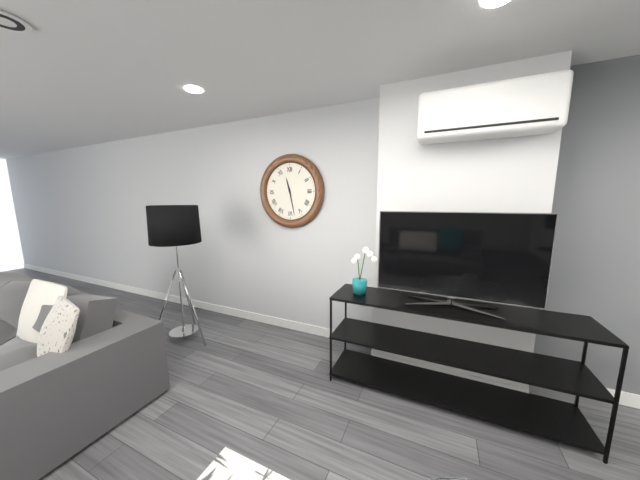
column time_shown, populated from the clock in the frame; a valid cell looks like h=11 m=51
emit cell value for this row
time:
h=11 m=28
